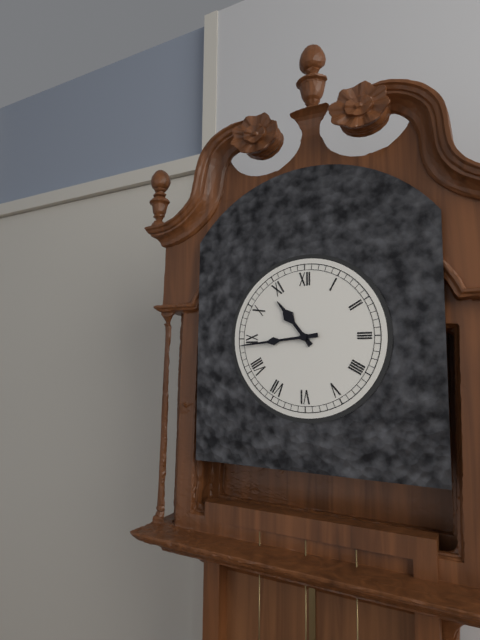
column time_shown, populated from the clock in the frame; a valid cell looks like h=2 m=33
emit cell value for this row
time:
h=10 m=44
